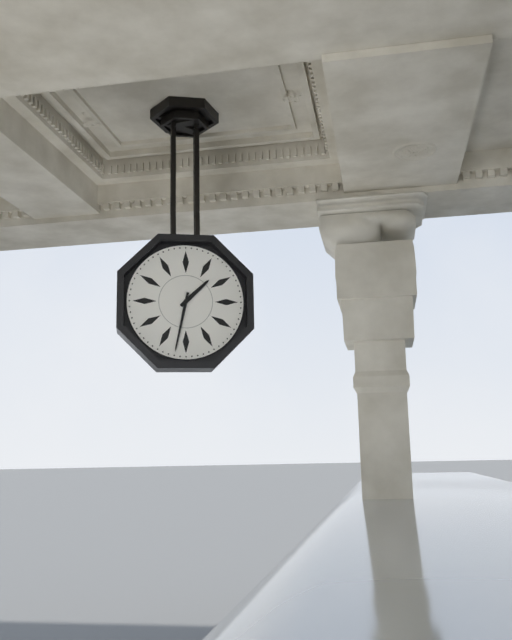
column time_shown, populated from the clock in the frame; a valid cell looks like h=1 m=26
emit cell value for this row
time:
h=1 m=32
